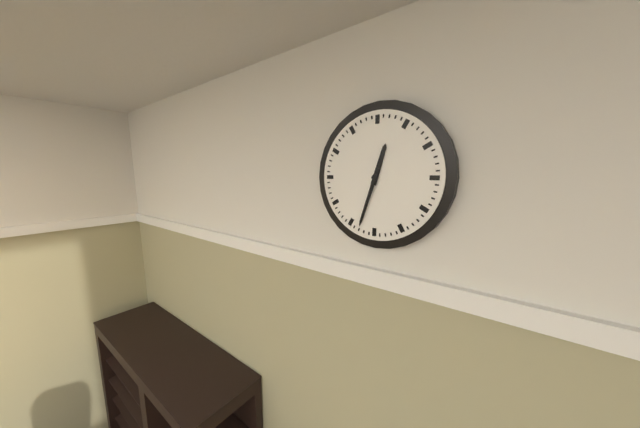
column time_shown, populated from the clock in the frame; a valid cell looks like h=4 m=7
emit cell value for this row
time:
h=12 m=33
